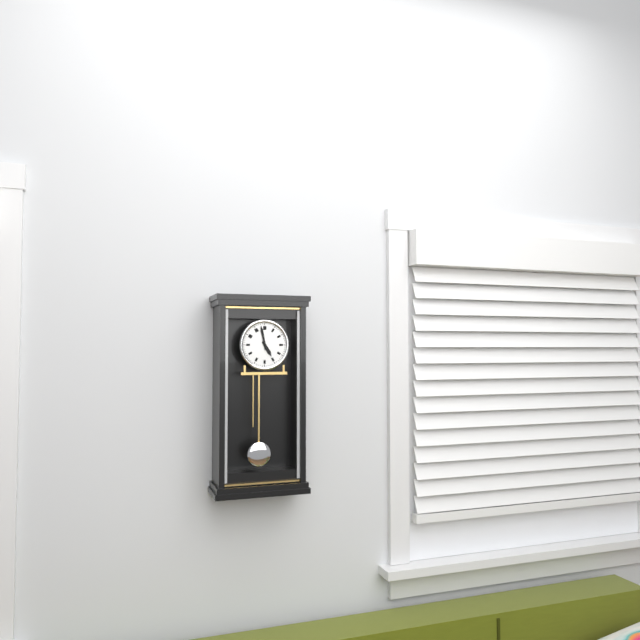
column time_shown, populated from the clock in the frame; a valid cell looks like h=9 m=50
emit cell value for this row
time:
h=4 m=58
